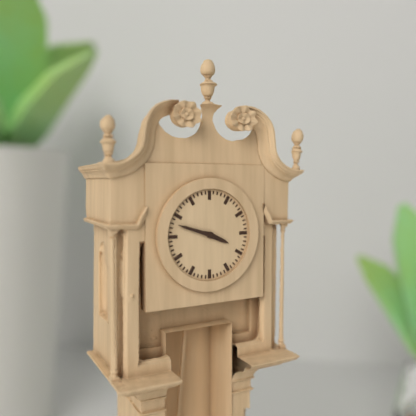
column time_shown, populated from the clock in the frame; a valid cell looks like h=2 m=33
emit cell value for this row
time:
h=3 m=48
